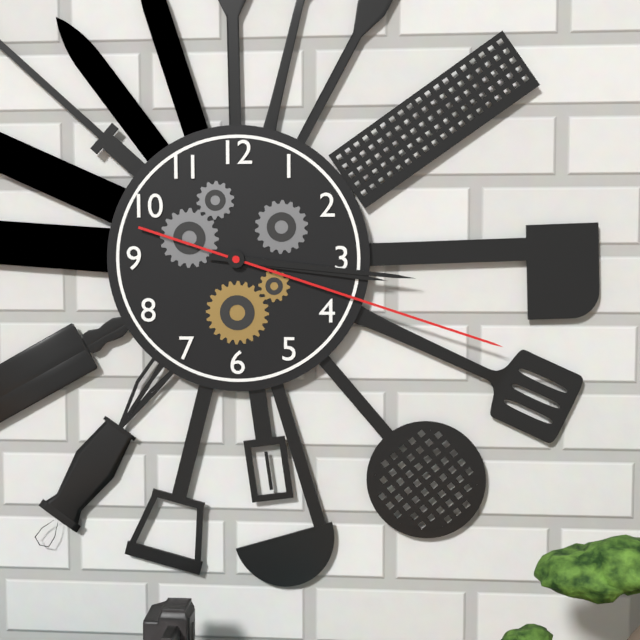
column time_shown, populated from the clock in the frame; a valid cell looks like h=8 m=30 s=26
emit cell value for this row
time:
h=3 m=16 s=18
